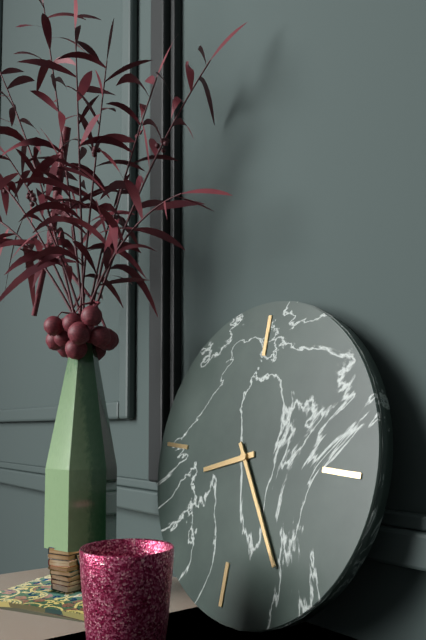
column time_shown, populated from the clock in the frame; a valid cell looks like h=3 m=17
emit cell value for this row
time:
h=8 m=24
